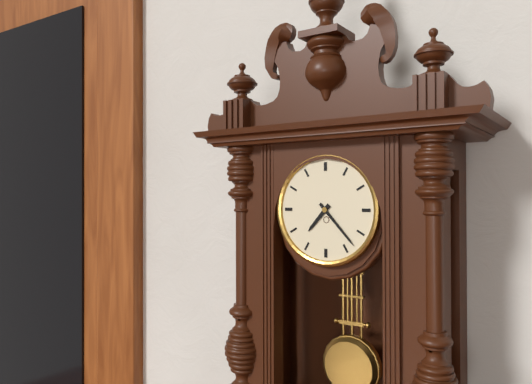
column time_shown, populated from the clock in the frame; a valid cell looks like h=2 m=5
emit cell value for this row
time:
h=7 m=23
